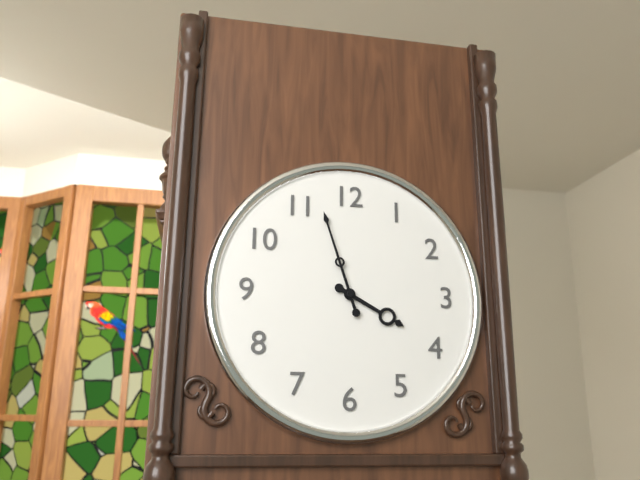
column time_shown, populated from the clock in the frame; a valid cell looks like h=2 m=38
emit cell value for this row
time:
h=3 m=57
